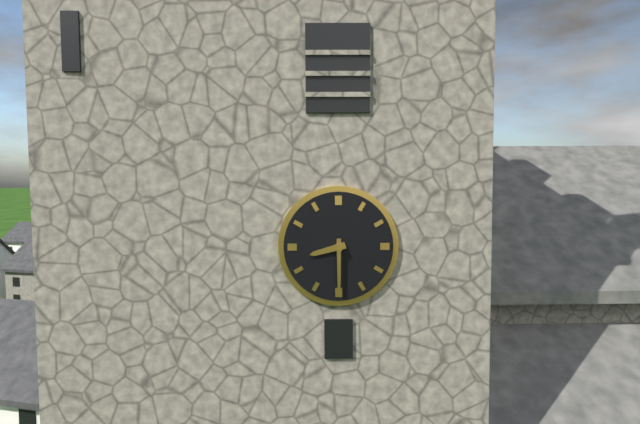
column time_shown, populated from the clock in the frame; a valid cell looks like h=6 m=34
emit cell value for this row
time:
h=8 m=30
